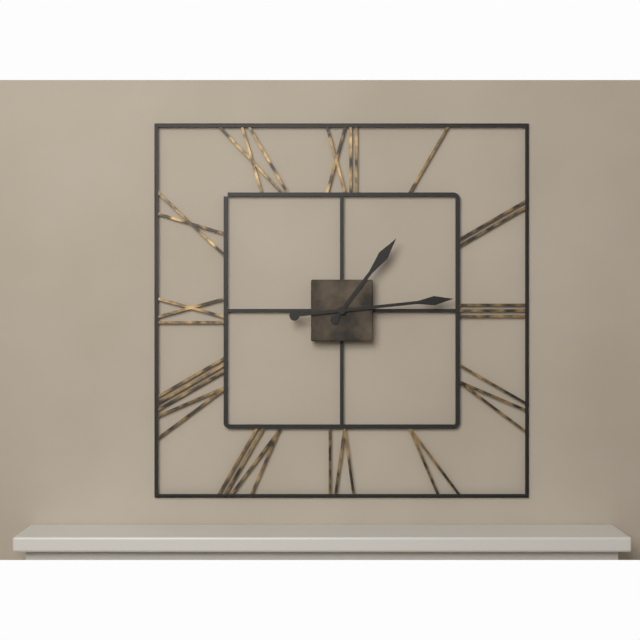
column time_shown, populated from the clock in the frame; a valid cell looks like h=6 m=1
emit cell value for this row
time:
h=1 m=14
